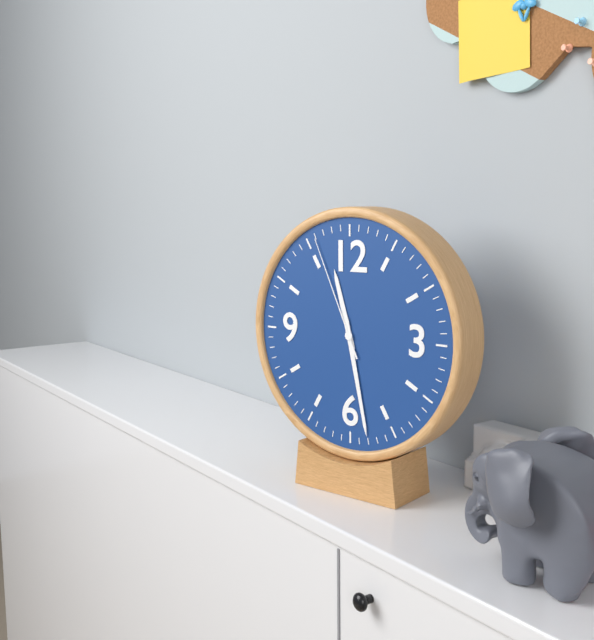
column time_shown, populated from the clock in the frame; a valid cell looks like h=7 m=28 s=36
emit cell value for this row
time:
h=11 m=28 s=56
